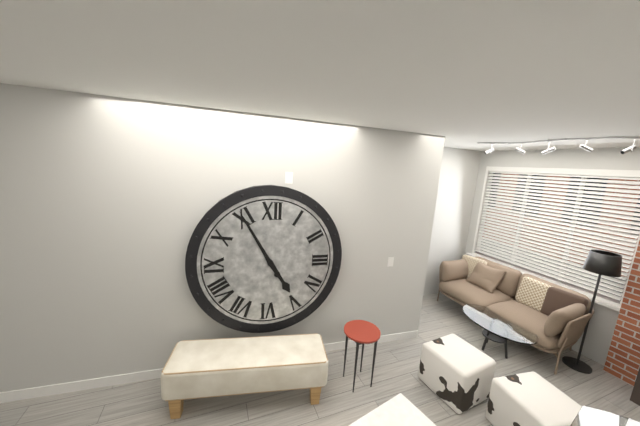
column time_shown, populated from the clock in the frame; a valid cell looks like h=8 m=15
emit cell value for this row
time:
h=4 m=55
